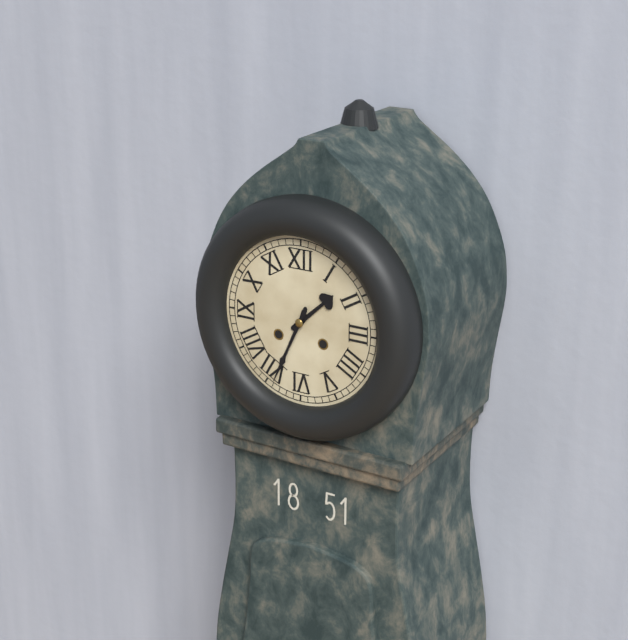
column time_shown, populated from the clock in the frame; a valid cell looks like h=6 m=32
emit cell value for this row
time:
h=1 m=34
